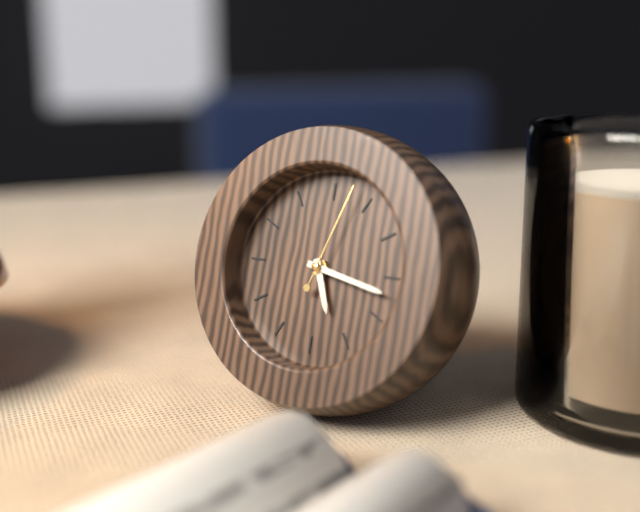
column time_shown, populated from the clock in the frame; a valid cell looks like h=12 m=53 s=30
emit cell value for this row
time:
h=5 m=17 s=3
